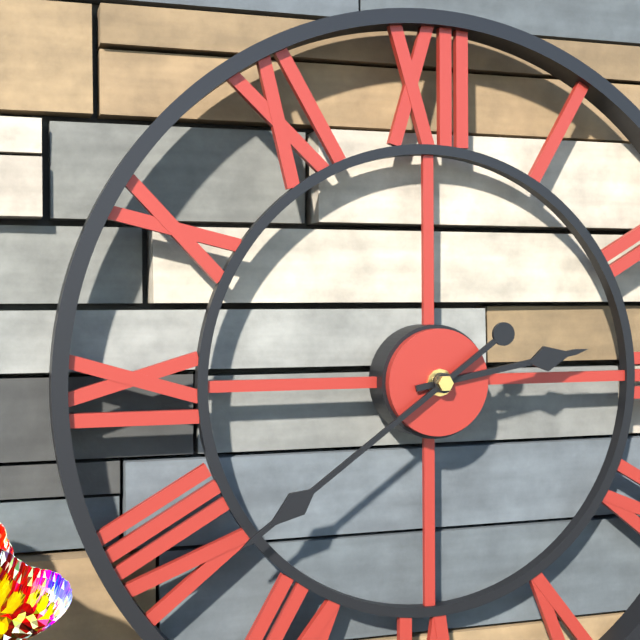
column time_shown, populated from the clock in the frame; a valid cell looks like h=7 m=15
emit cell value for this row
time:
h=2 m=39
